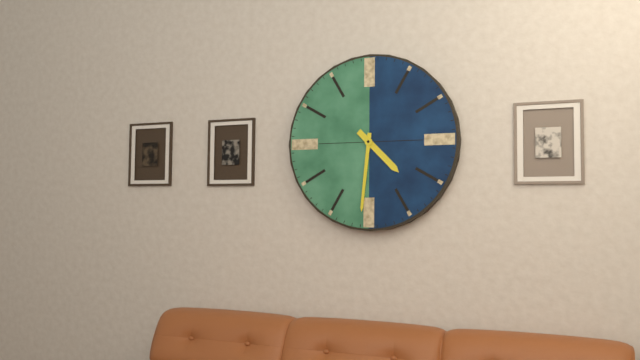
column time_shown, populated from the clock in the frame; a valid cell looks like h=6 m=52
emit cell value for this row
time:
h=4 m=31
